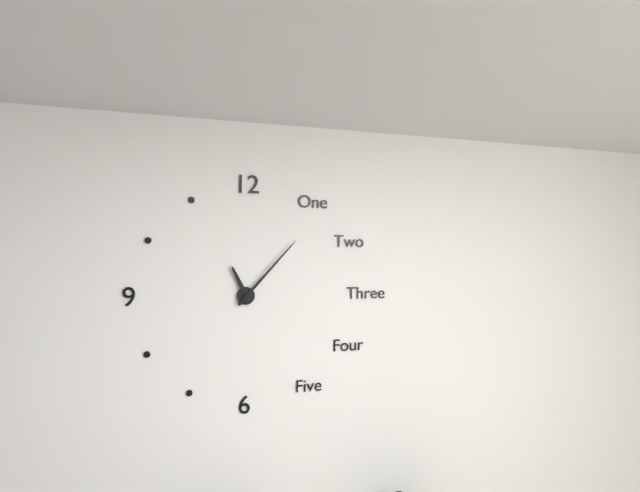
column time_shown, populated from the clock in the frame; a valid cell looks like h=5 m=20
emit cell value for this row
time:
h=11 m=7
